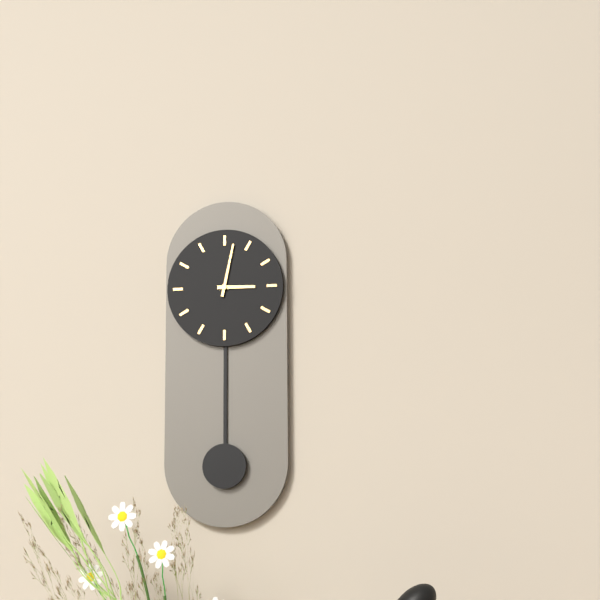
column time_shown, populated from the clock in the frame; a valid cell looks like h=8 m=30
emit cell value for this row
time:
h=3 m=2
